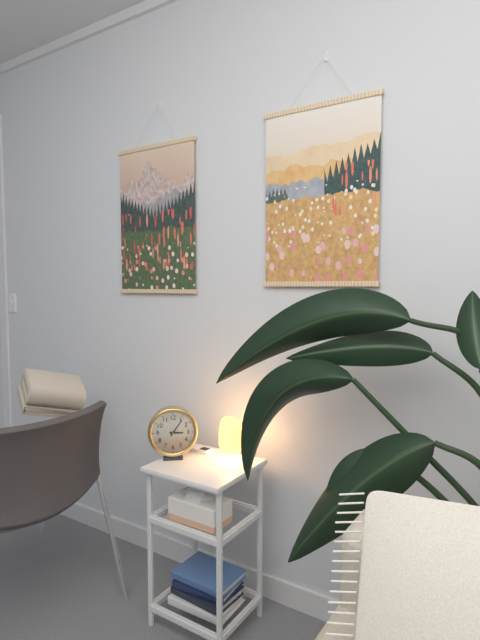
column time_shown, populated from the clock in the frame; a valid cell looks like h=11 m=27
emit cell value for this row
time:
h=3 m=6
